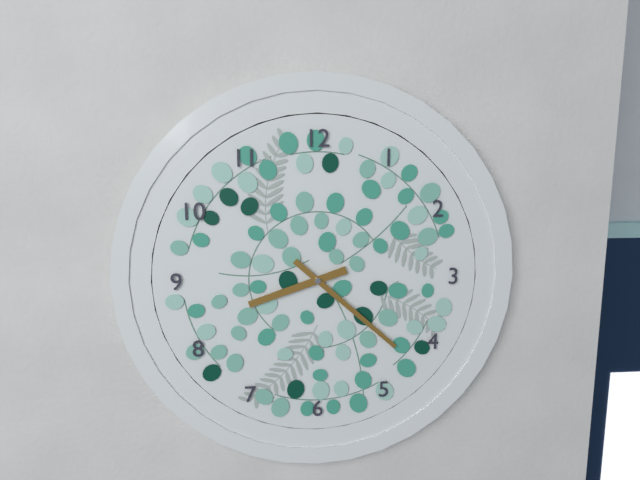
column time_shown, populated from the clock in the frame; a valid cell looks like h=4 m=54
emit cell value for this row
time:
h=8 m=22
